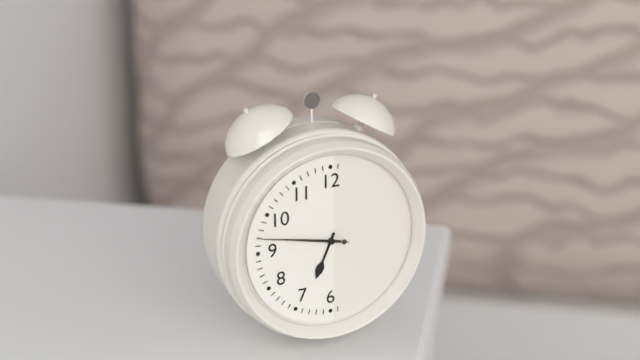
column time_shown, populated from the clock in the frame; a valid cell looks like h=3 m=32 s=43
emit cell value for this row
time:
h=6 m=47 s=47
